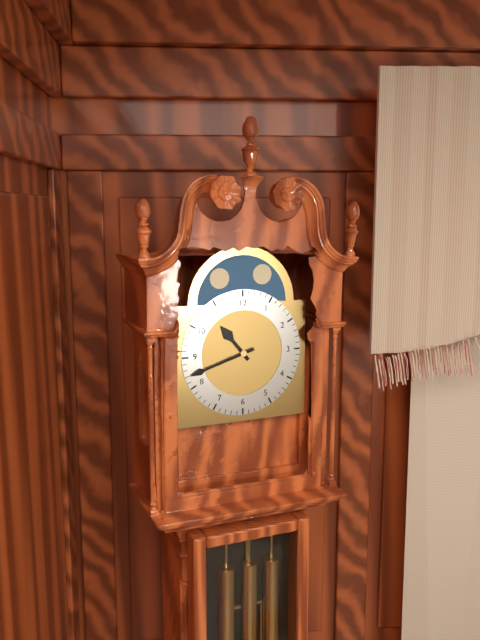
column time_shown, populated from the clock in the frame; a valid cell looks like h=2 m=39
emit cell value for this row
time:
h=10 m=42
